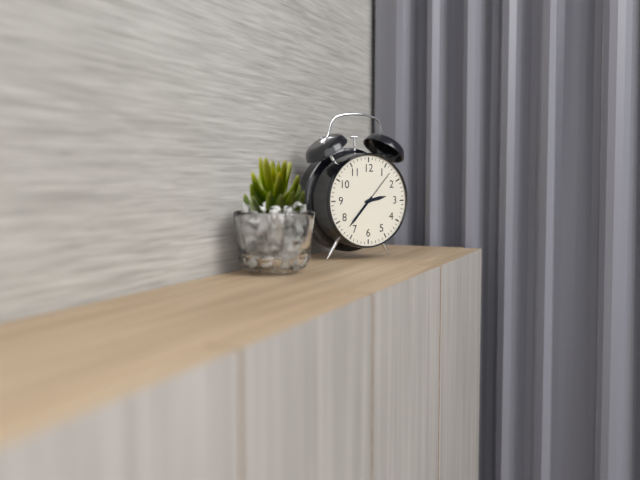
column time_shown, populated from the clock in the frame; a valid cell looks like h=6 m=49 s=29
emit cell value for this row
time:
h=2 m=37 s=7
